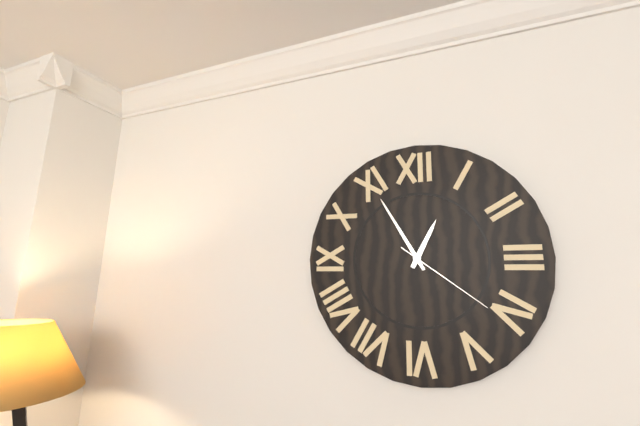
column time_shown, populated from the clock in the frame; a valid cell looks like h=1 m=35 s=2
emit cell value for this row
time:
h=12 m=55 s=21
